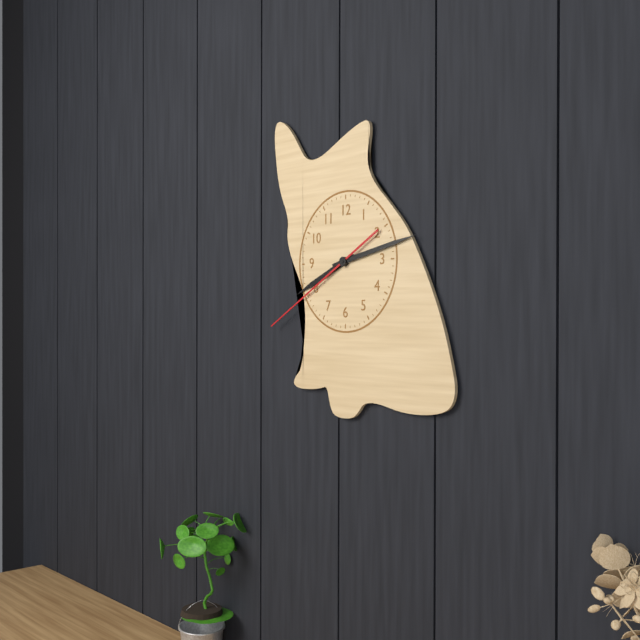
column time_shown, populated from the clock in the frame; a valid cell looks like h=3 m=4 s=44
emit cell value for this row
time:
h=8 m=13 s=40
